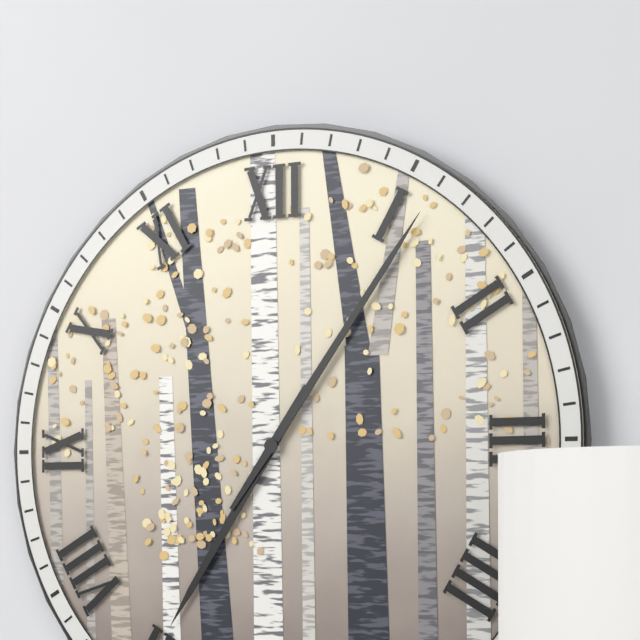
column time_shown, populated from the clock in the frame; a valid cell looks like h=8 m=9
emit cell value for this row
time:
h=7 m=6
